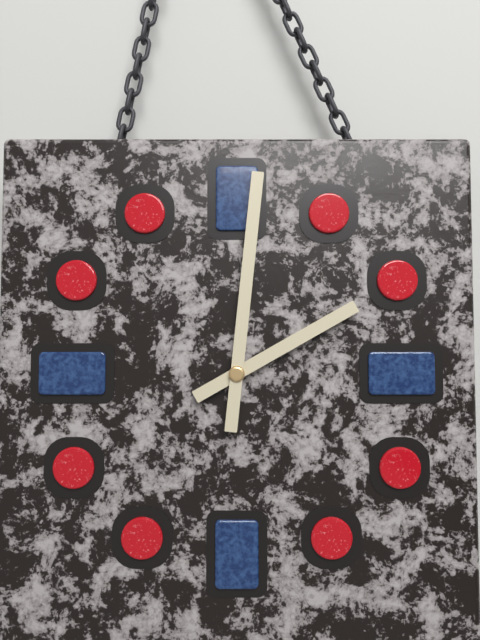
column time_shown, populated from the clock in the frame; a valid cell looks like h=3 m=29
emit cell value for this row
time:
h=2 m=1
